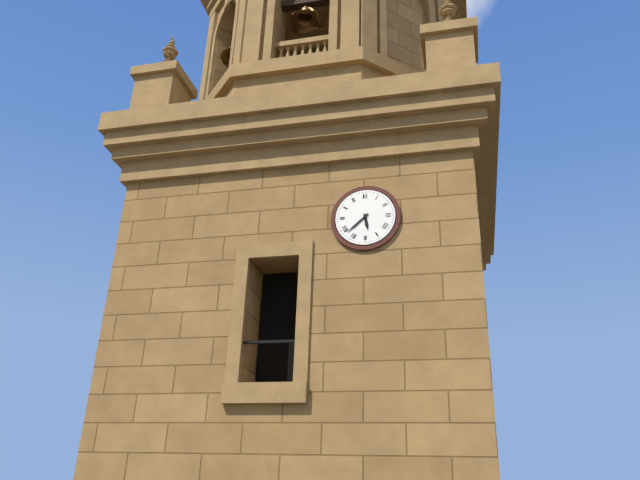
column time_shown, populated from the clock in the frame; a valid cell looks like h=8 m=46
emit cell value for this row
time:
h=5 m=38
